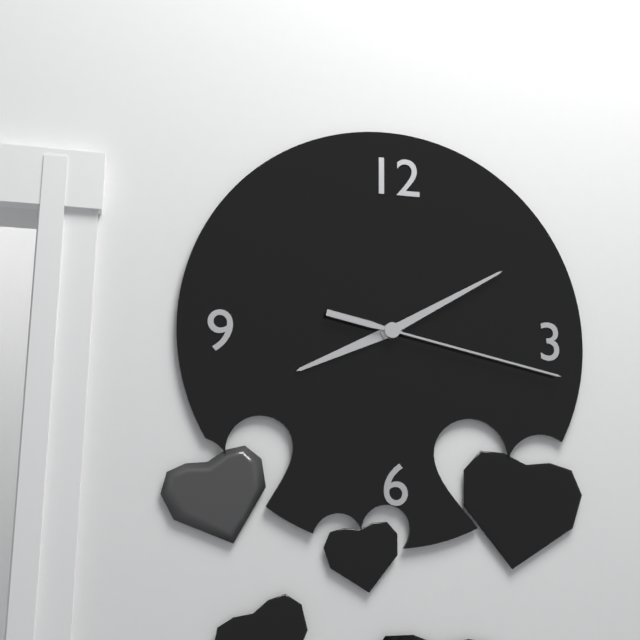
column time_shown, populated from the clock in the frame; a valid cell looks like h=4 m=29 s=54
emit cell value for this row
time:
h=8 m=10 s=17
